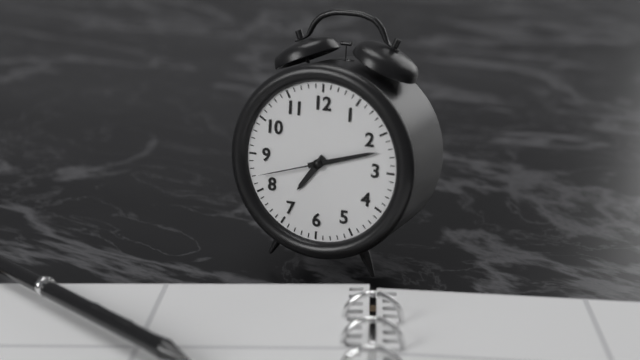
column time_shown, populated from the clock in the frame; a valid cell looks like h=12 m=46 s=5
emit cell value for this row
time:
h=7 m=12 s=42
